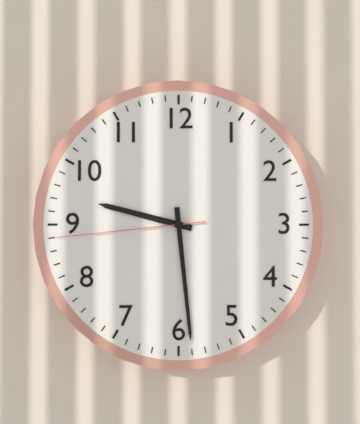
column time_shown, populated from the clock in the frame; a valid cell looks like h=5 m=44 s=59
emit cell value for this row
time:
h=9 m=29 s=44
